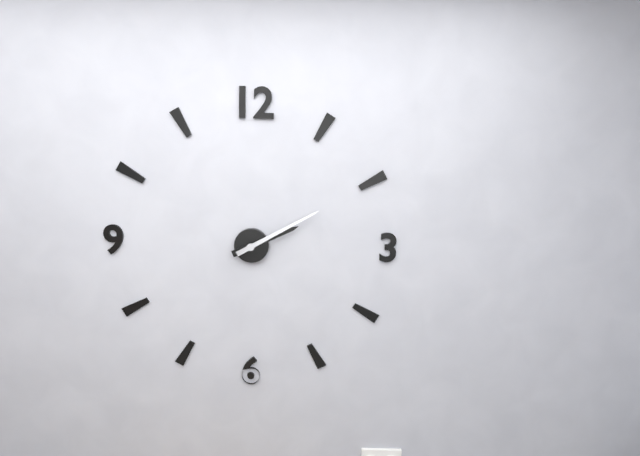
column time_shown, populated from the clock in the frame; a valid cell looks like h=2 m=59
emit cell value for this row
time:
h=2 m=10
